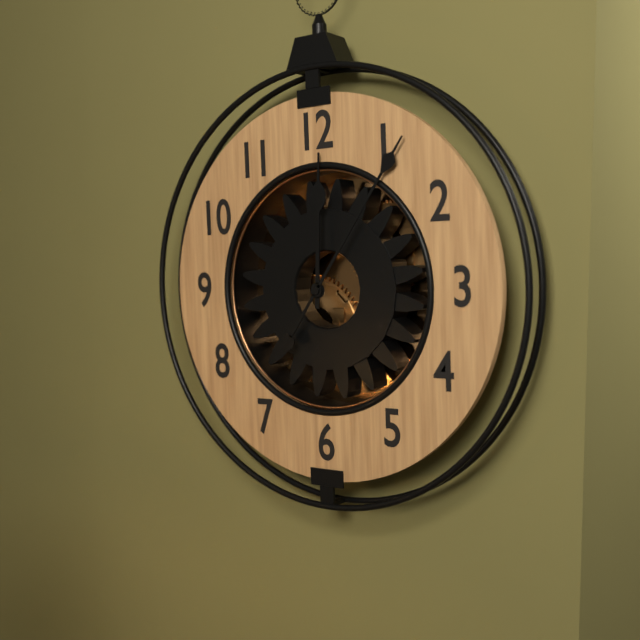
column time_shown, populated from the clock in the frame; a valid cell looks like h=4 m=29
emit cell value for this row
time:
h=12 m=6
